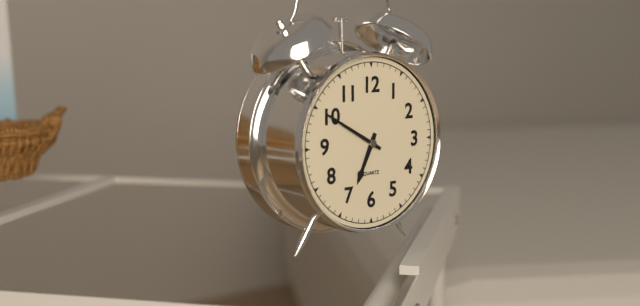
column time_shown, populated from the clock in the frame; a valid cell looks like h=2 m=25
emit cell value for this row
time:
h=6 m=50
